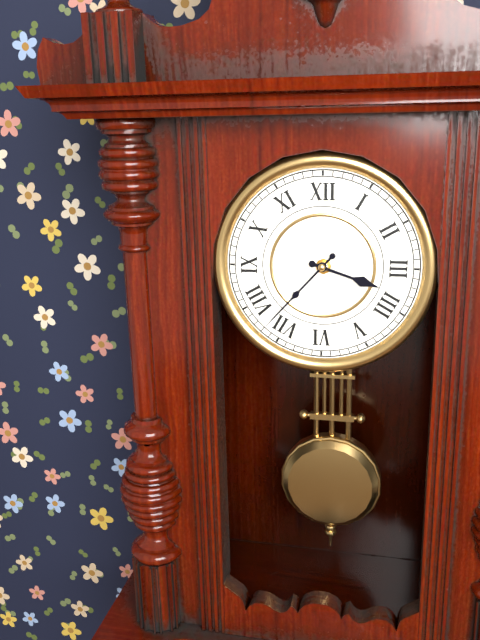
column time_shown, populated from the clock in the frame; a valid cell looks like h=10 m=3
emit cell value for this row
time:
h=3 m=37
